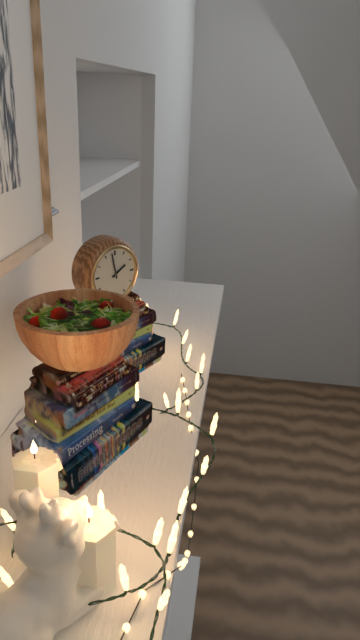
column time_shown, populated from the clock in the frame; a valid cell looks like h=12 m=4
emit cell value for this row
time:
h=1 m=58
